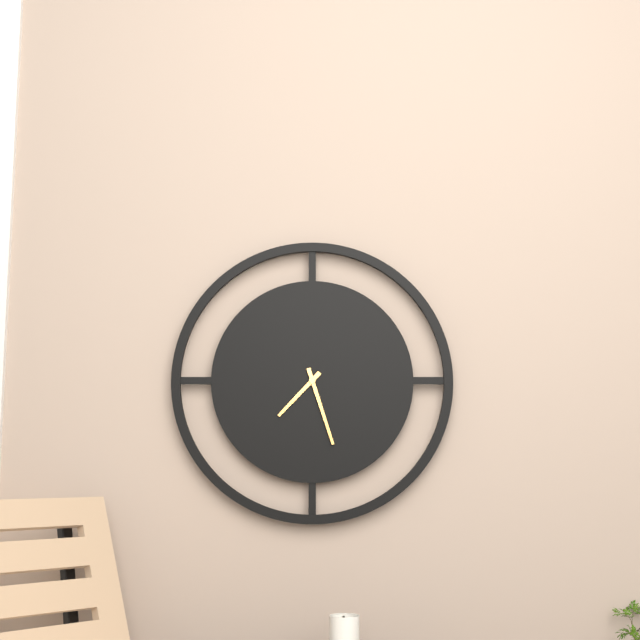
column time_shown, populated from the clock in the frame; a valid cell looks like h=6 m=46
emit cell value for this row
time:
h=7 m=27
